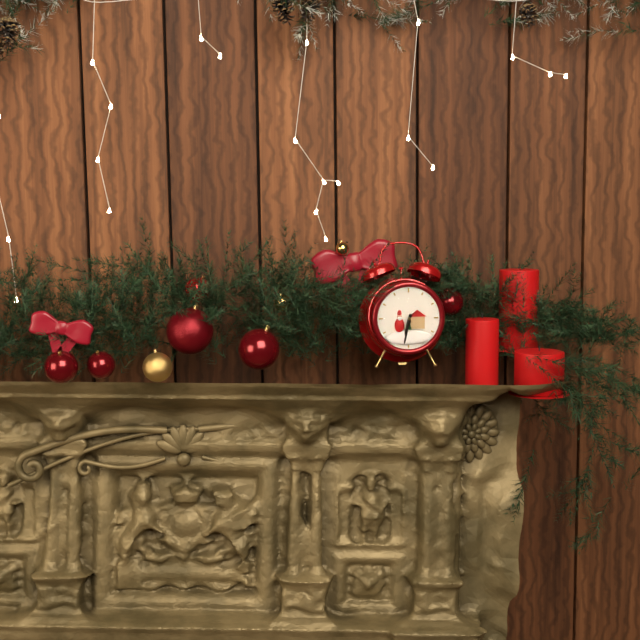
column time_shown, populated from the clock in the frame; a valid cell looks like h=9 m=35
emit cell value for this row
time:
h=6 m=32
